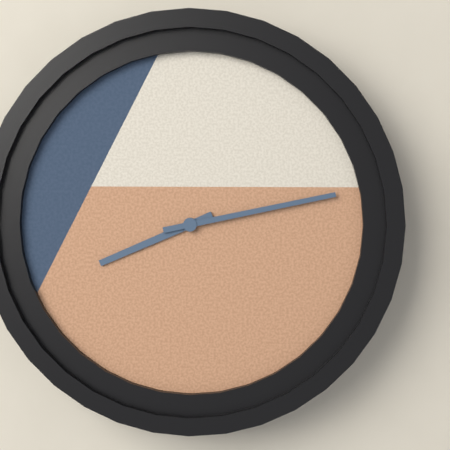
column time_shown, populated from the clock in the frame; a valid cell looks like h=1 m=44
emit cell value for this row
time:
h=8 m=13
